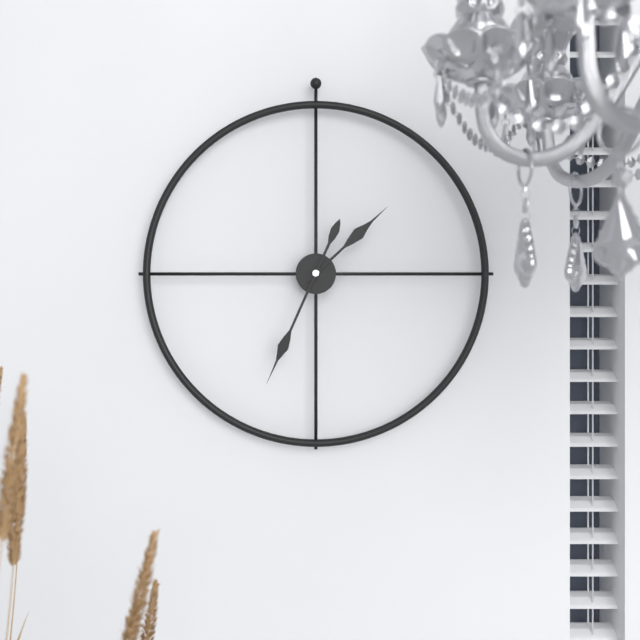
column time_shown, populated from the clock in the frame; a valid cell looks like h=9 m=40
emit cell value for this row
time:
h=1 m=34
